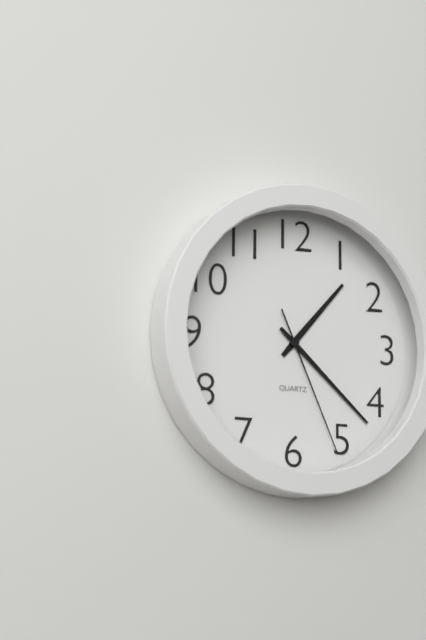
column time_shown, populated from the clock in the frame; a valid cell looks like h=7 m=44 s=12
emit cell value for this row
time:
h=1 m=22 s=26
